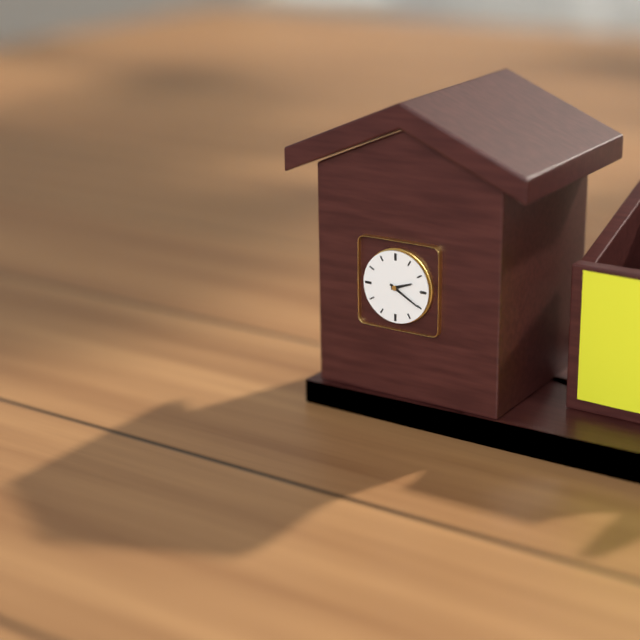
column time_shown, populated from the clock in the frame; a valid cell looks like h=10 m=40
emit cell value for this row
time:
h=2 m=20
